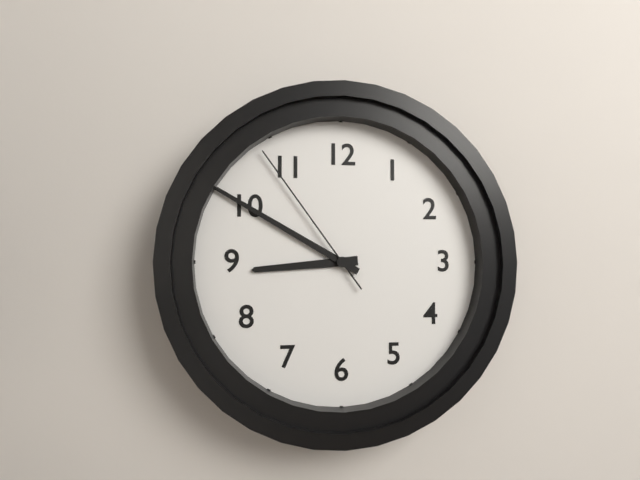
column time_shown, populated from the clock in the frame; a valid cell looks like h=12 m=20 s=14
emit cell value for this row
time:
h=8 m=50 s=54
